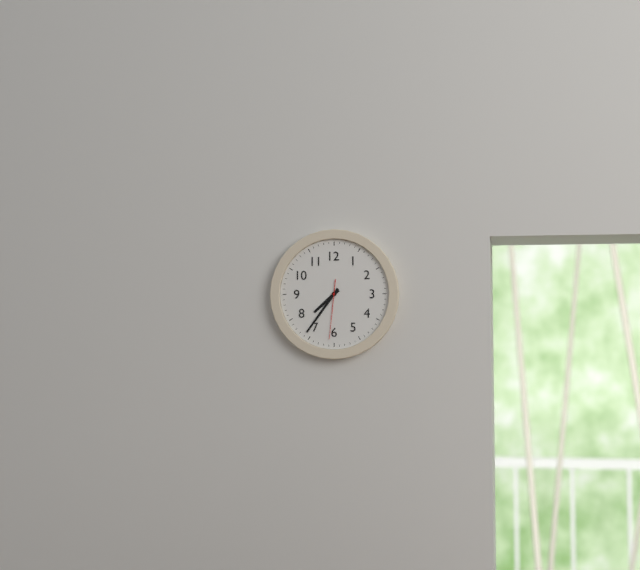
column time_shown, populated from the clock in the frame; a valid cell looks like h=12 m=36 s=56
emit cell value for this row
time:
h=7 m=36 s=31
